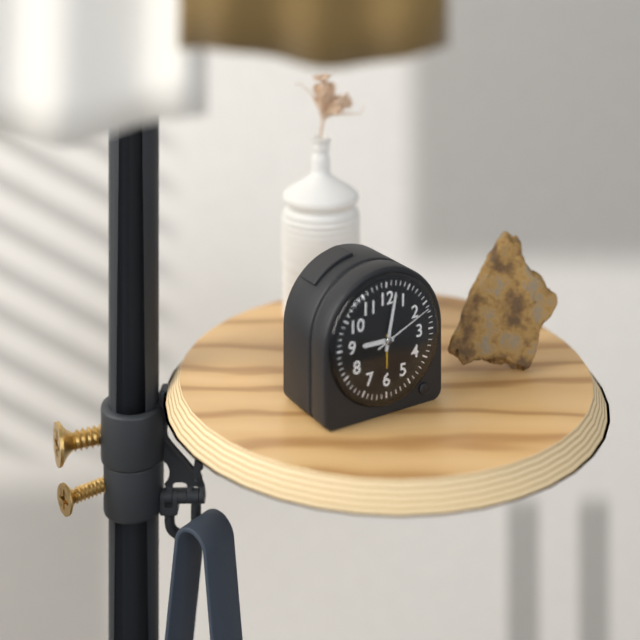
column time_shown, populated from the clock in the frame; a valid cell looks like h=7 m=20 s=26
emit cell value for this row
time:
h=9 m=2 s=11
